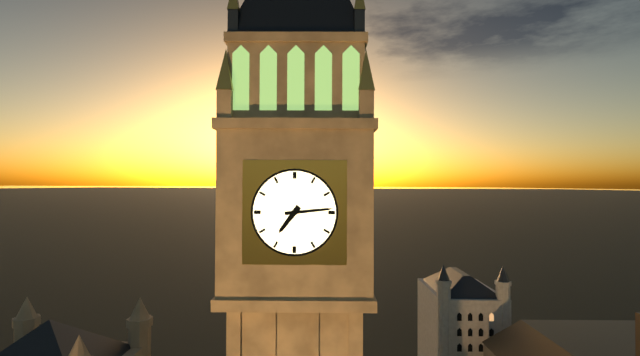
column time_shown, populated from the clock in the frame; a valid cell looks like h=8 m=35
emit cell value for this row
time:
h=7 m=14
